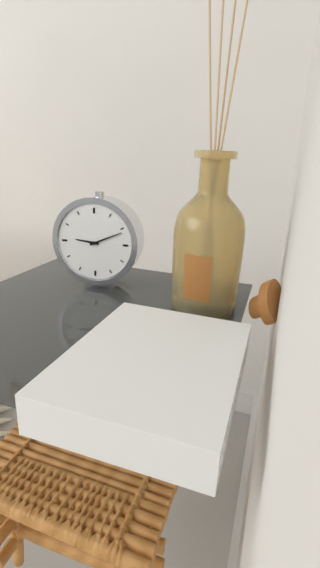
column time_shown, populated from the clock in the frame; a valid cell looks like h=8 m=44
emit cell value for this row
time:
h=9 m=11
